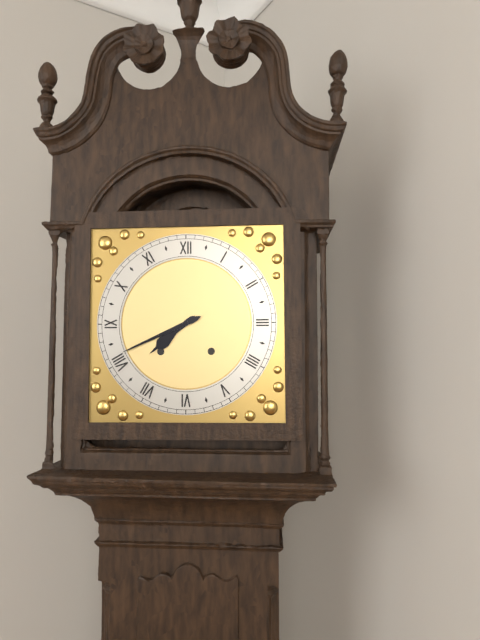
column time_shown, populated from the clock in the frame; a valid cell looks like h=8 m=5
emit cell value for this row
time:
h=7 m=41
